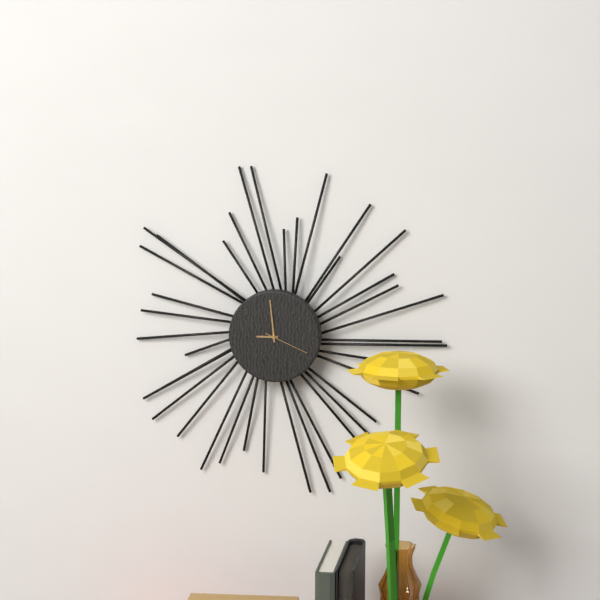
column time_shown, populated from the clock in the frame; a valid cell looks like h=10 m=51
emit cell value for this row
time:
h=8 m=59
